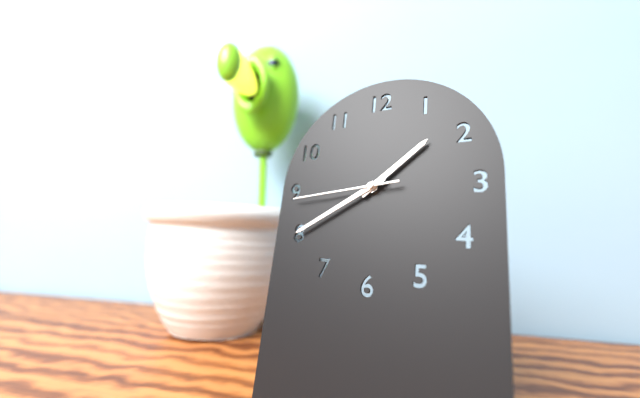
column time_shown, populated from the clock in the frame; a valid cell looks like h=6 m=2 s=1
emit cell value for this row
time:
h=1 m=40 s=44
